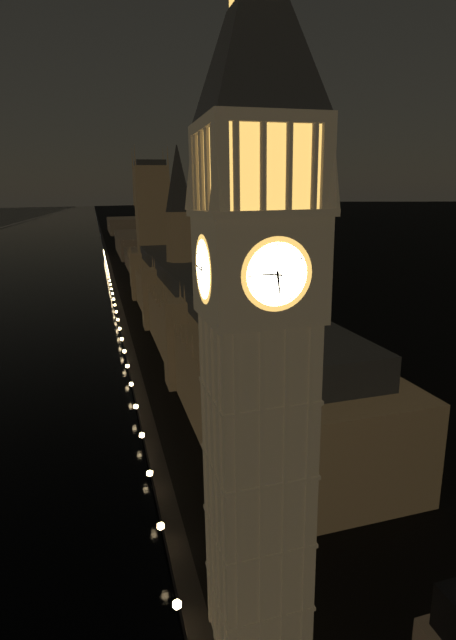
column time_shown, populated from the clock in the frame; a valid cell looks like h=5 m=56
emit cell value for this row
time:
h=5 m=46
